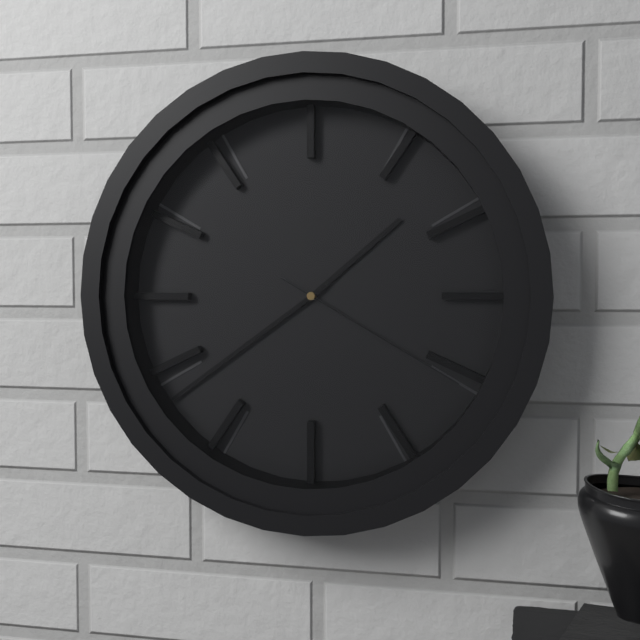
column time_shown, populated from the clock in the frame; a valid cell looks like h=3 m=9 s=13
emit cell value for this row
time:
h=1 m=39 s=20
